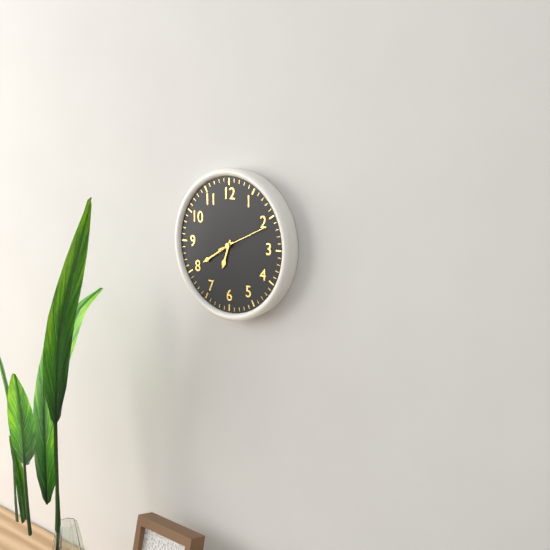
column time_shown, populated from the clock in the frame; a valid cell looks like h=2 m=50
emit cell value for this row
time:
h=6 m=40
